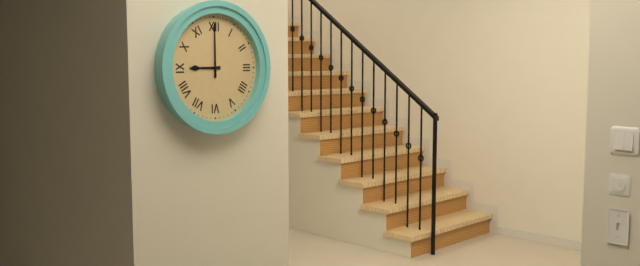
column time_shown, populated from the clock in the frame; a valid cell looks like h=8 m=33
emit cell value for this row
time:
h=9 m=0
